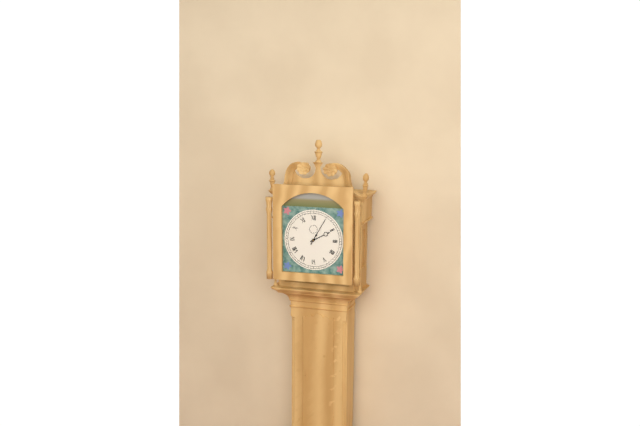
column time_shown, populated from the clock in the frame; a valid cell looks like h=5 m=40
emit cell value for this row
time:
h=2 m=5
